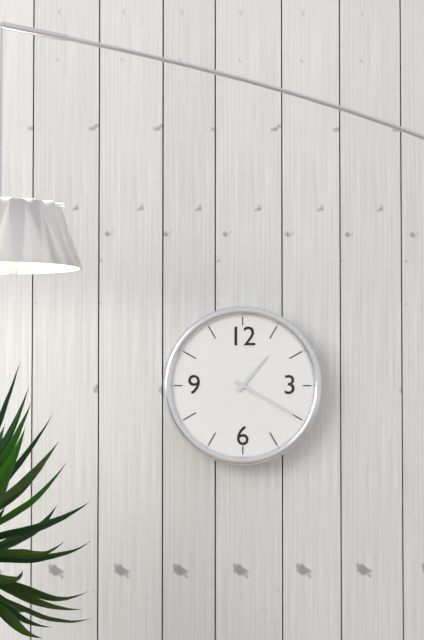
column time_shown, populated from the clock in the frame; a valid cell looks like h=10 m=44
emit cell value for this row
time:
h=1 m=20
